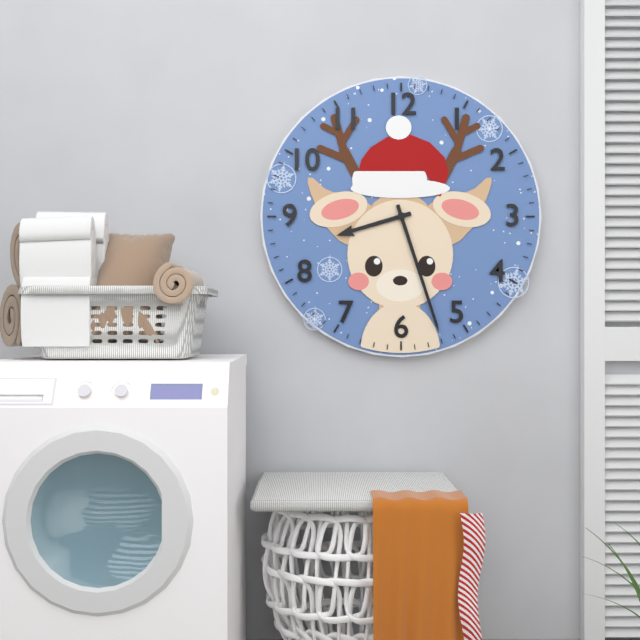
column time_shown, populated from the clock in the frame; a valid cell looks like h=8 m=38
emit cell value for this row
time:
h=8 m=27
